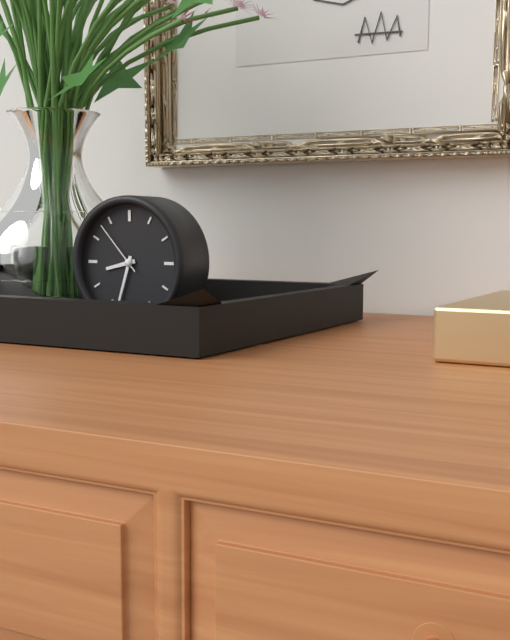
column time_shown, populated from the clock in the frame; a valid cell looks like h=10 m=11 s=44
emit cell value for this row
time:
h=8 m=33 s=53
